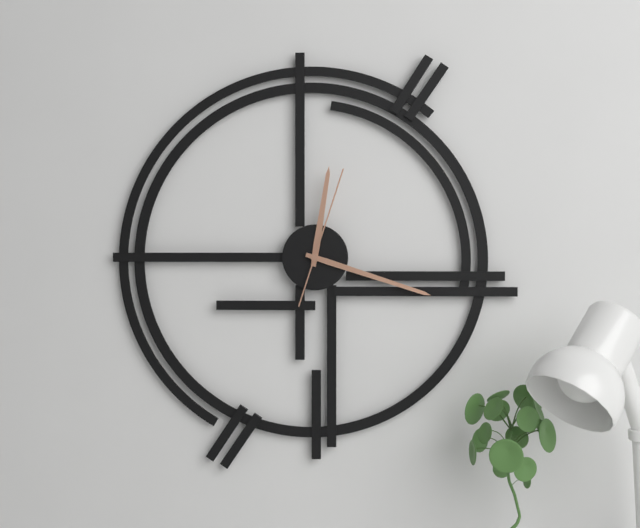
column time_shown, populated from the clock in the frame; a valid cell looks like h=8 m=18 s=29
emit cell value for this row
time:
h=12 m=18 s=3
